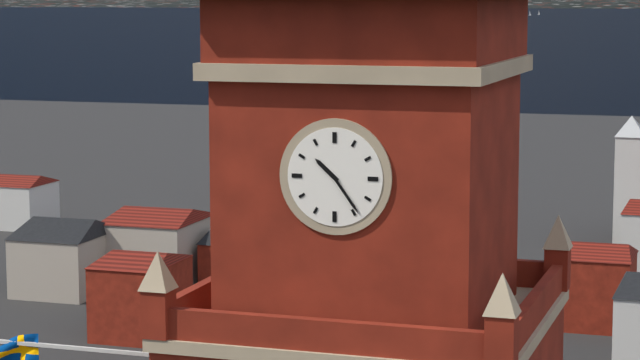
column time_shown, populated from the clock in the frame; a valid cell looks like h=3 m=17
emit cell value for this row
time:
h=10 m=24
